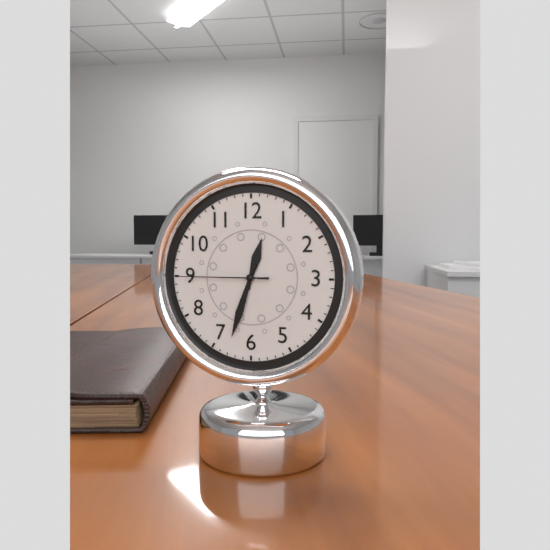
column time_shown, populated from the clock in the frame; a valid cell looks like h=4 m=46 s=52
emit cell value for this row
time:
h=12 m=33 s=45
